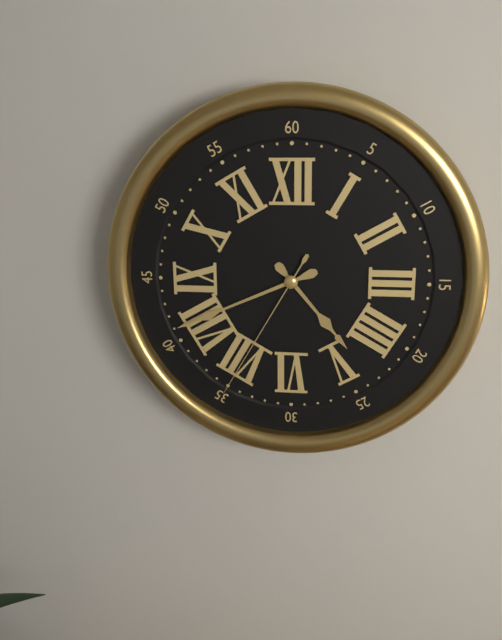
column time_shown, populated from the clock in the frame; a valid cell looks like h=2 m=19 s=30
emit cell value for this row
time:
h=4 m=41 s=35
